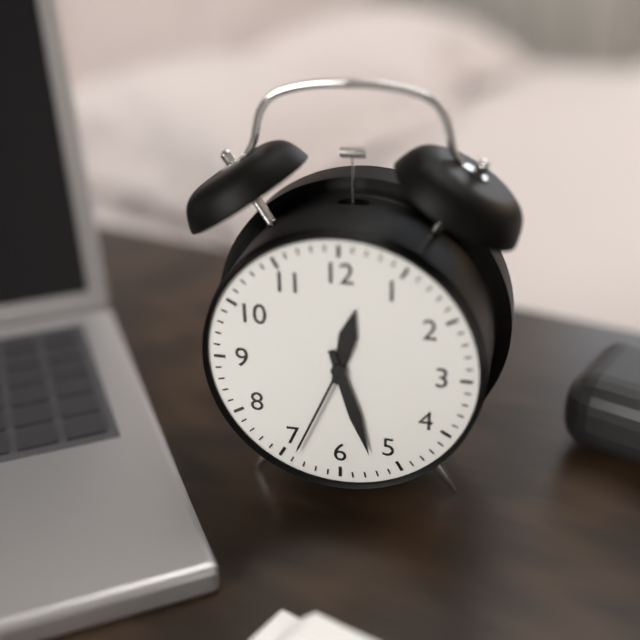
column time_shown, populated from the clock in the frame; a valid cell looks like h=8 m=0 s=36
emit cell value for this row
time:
h=12 m=27 s=34
